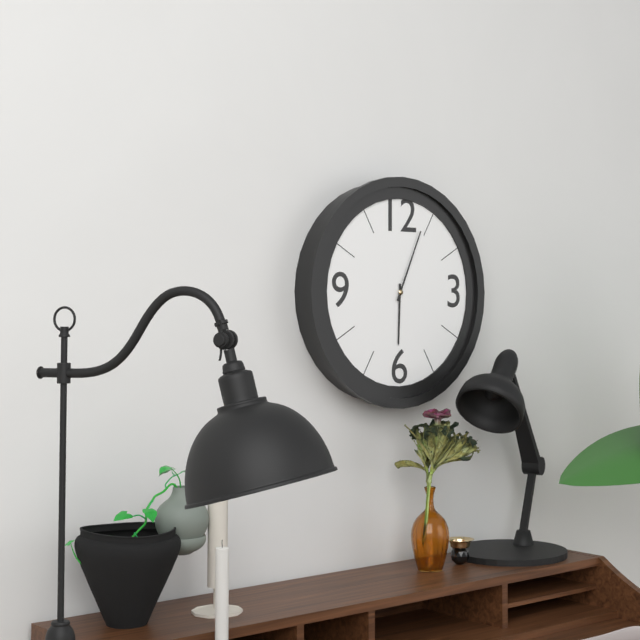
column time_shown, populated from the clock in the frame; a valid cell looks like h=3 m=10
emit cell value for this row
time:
h=6 m=4
